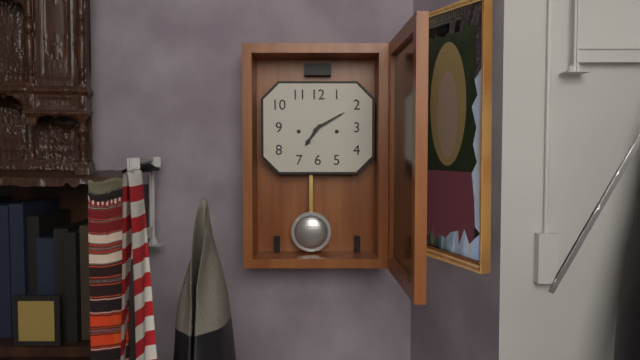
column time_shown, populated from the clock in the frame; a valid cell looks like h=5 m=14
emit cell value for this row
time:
h=7 m=10
